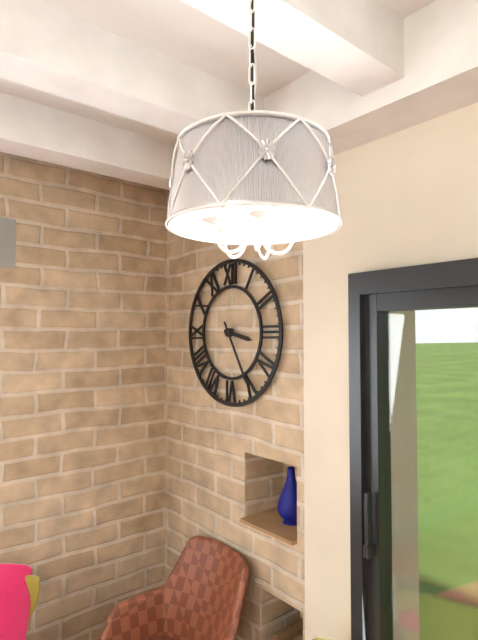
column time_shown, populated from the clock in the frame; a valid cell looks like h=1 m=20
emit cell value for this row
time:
h=3 m=25
